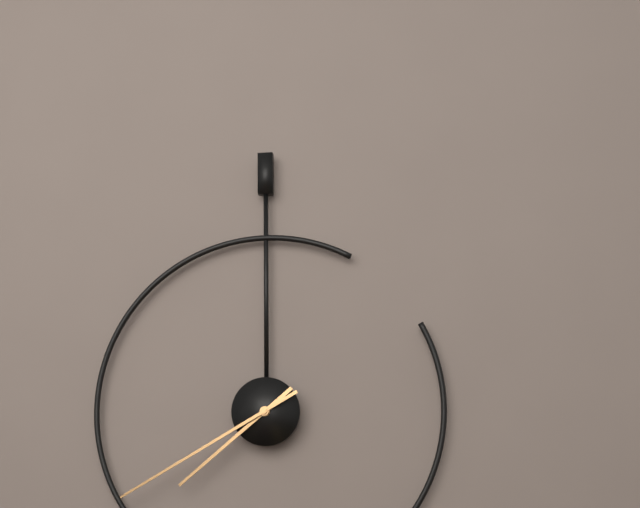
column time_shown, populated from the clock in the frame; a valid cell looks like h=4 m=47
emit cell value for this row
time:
h=7 m=40
